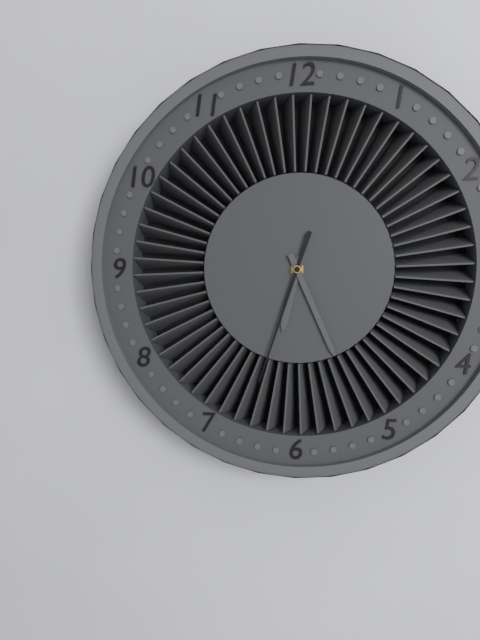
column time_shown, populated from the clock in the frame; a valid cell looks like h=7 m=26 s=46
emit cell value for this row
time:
h=6 m=26 s=33
